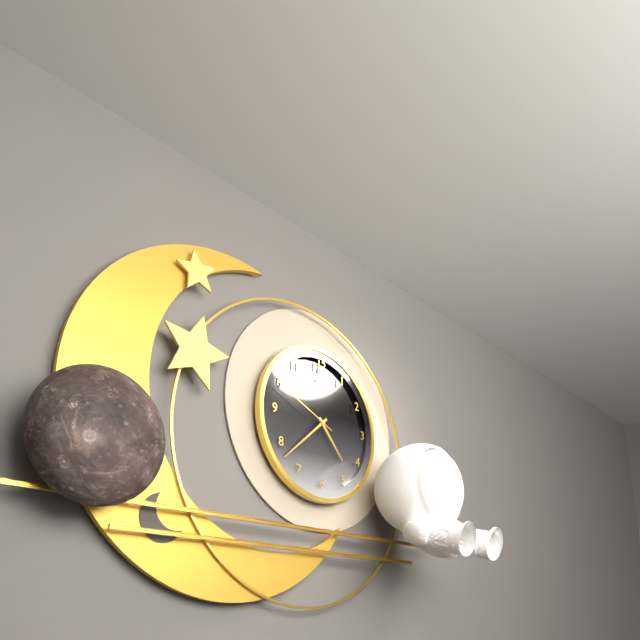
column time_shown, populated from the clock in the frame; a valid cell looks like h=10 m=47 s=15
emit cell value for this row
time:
h=4 m=38 s=49
